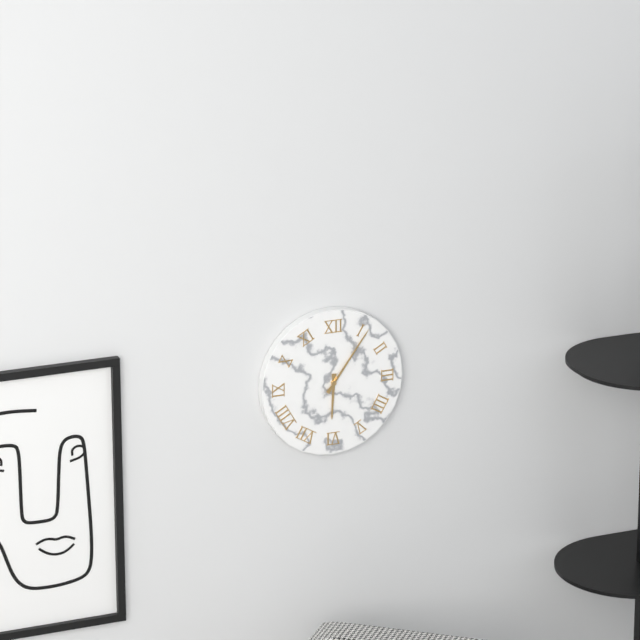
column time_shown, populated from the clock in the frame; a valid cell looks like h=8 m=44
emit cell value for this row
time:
h=6 m=6
